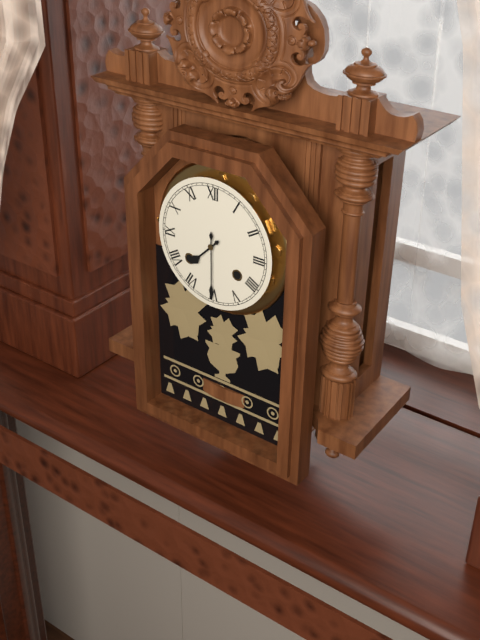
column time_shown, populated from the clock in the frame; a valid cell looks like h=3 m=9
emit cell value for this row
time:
h=7 m=30
